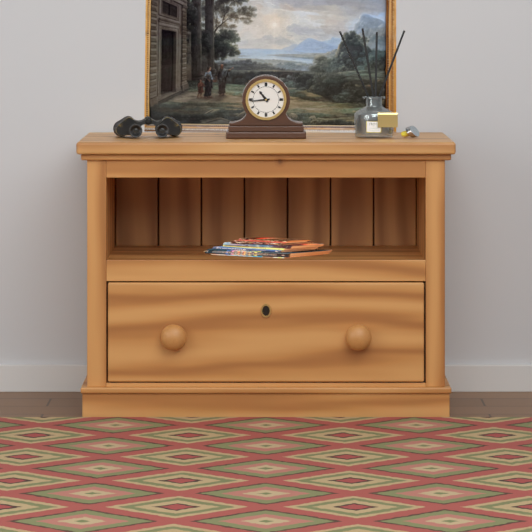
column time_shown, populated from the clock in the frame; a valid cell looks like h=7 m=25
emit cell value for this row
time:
h=10 m=44
